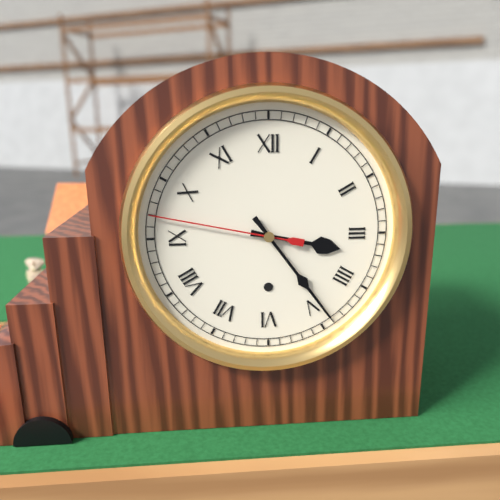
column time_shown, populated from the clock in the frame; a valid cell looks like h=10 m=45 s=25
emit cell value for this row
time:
h=3 m=24 s=47
